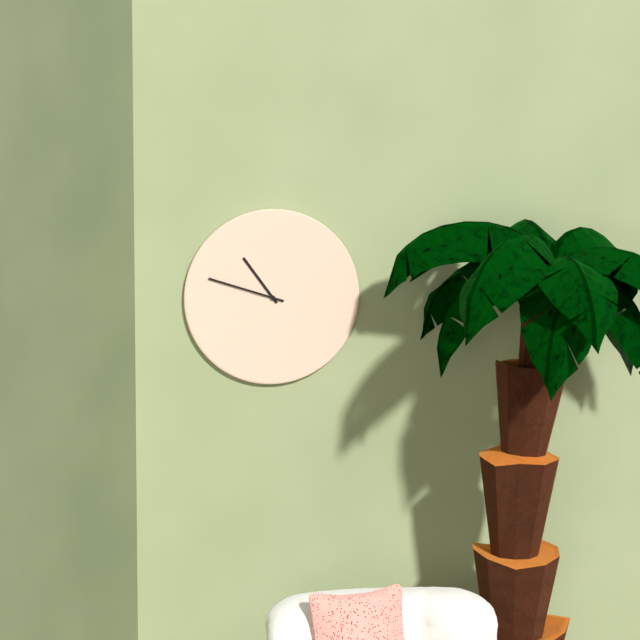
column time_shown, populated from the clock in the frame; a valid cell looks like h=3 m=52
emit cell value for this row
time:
h=10 m=48
